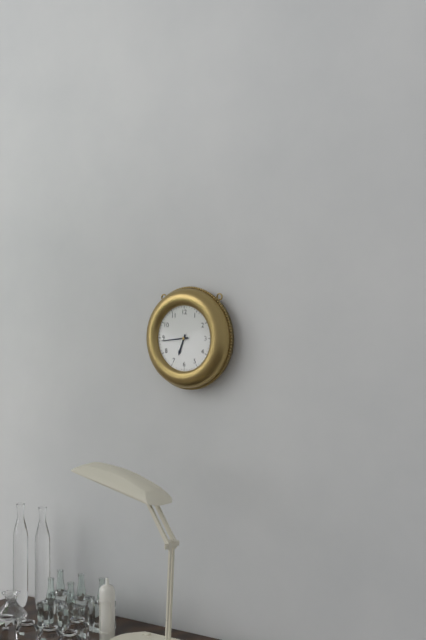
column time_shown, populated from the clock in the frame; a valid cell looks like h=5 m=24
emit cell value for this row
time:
h=6 m=44
